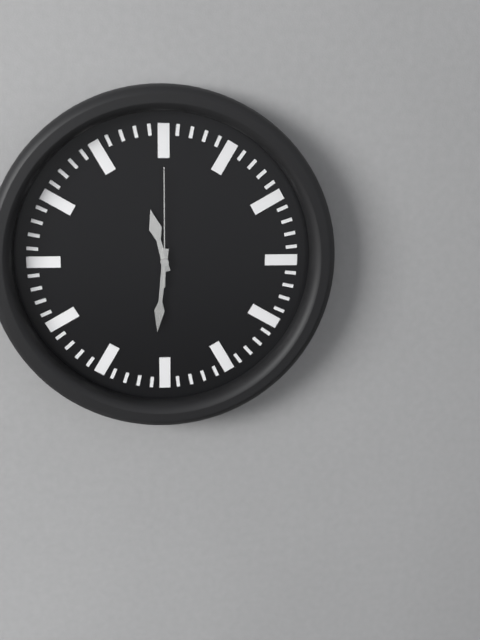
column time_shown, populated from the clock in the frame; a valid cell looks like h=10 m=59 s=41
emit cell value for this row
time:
h=11 m=31 s=0
